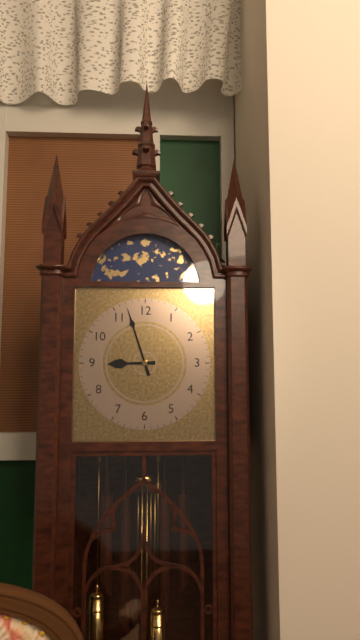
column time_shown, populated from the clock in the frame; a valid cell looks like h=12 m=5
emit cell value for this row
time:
h=8 m=57
